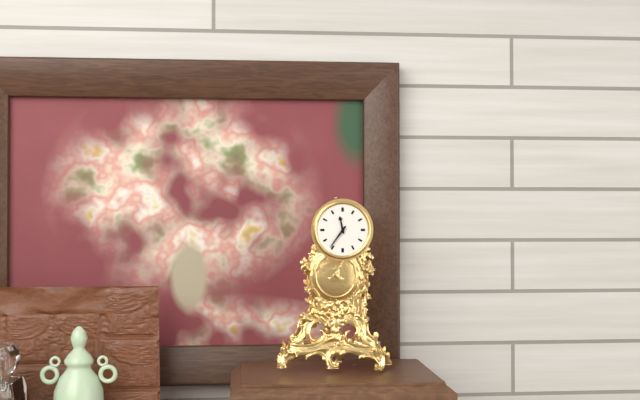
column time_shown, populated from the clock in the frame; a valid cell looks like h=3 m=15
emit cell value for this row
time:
h=11 m=36
